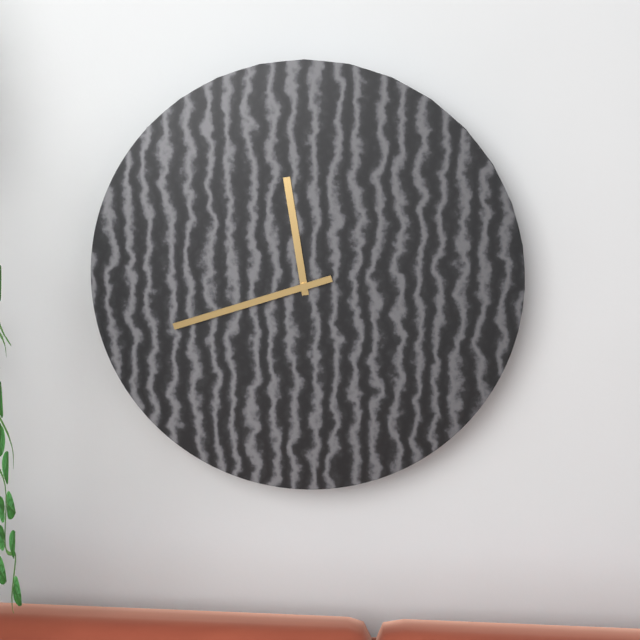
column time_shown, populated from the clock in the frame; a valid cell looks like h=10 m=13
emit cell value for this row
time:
h=11 m=42
